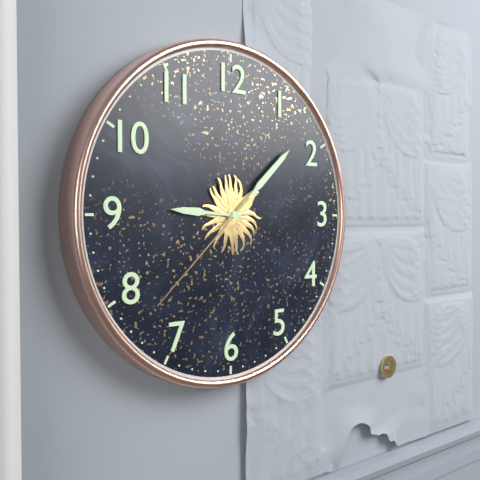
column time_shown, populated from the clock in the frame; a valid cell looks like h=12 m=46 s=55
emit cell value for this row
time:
h=9 m=8 s=38
